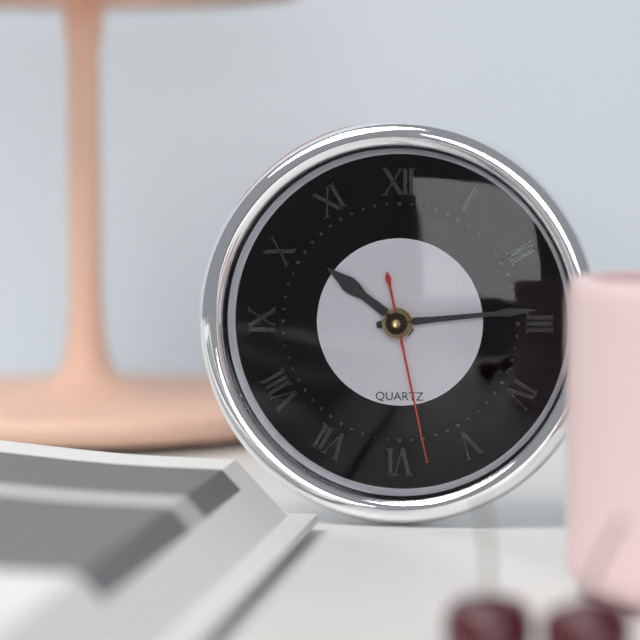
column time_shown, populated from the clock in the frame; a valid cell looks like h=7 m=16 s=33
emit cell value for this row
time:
h=10 m=14 s=28
